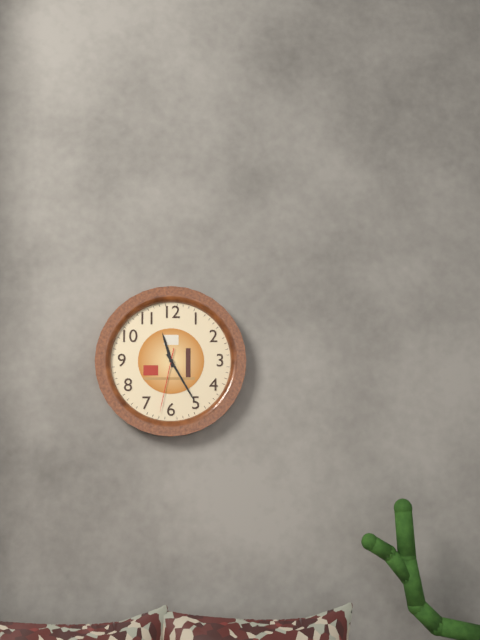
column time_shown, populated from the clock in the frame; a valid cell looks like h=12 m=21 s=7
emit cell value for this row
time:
h=11 m=25 s=32
